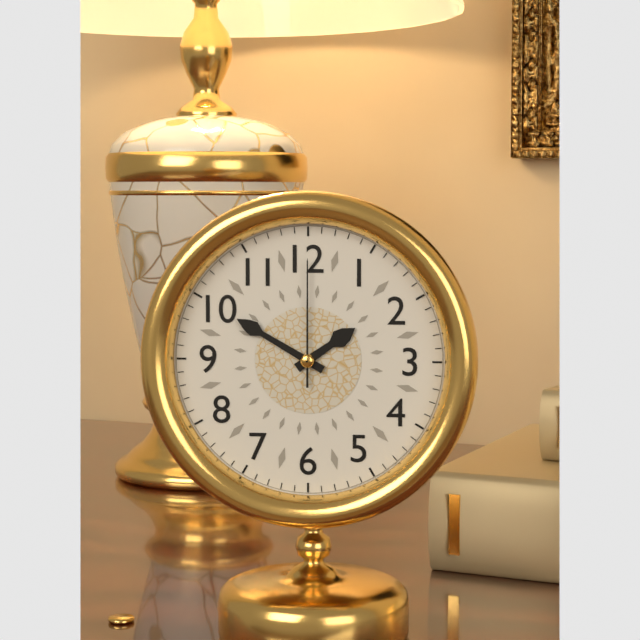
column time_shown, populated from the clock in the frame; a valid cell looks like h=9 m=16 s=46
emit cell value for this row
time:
h=1 m=50 s=0
